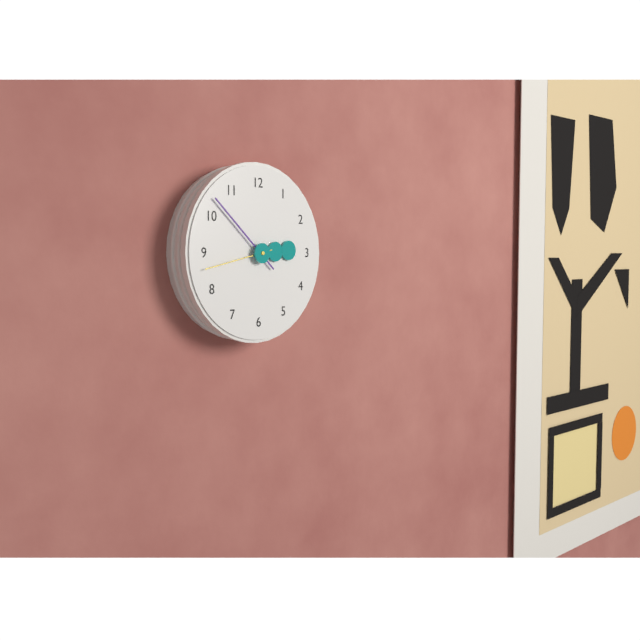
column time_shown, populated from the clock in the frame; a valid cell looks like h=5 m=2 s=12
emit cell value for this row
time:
h=2 m=52 s=43
